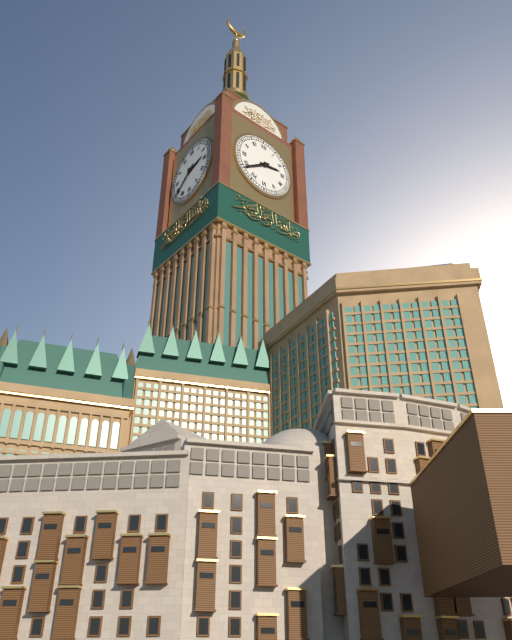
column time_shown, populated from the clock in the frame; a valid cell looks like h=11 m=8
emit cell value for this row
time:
h=2 m=39
